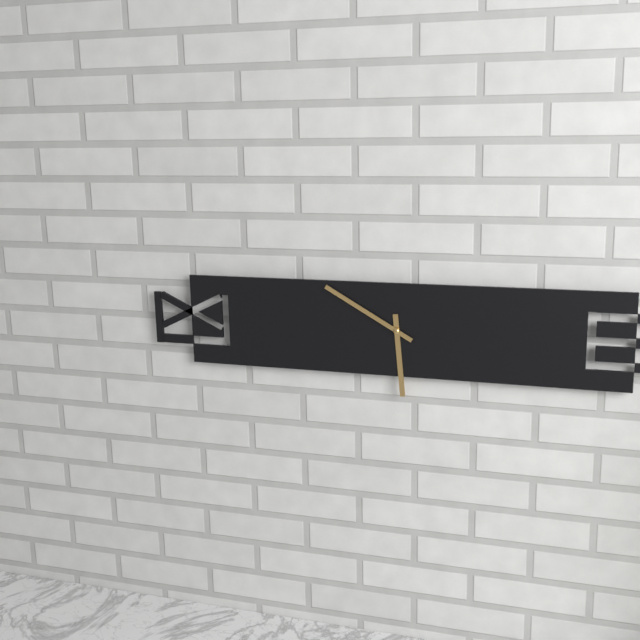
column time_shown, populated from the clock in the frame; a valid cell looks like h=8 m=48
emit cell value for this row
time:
h=5 m=50
